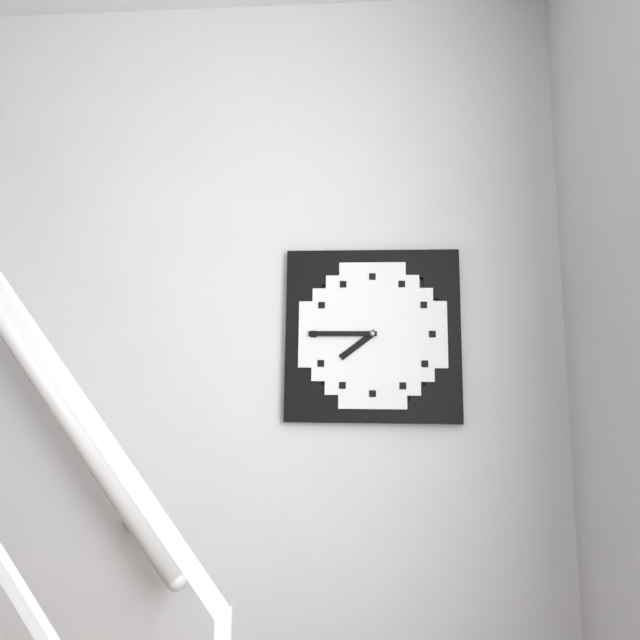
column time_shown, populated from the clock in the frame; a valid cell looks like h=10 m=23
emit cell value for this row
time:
h=7 m=45
